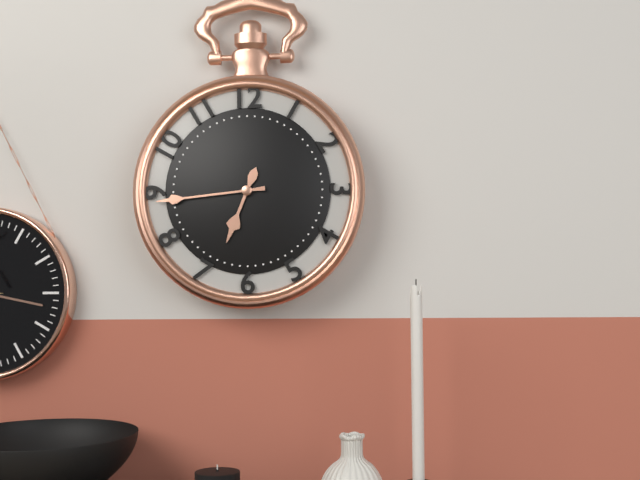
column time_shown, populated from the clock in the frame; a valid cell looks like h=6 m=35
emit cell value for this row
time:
h=6 m=44
